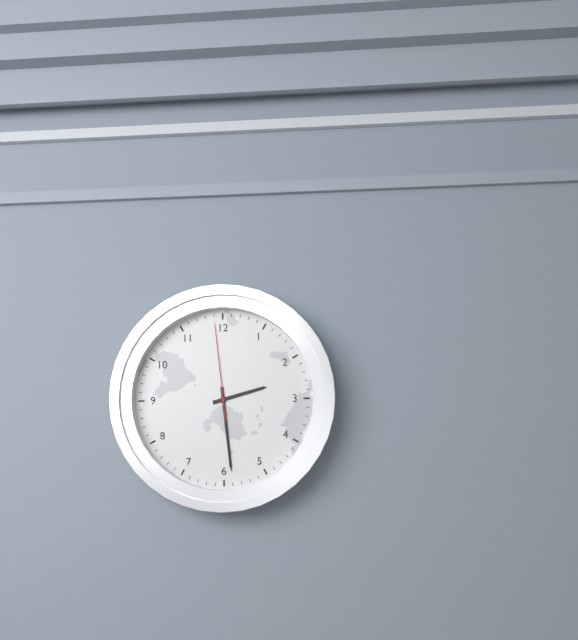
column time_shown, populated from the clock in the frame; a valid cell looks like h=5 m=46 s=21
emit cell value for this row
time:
h=2 m=29 s=59
